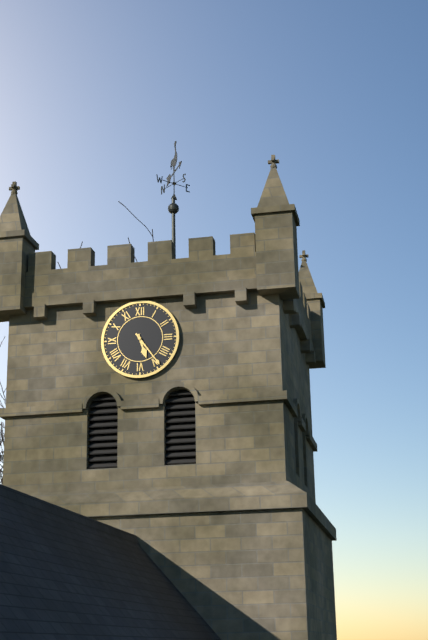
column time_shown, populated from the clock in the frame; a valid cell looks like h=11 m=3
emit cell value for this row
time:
h=5 m=24
